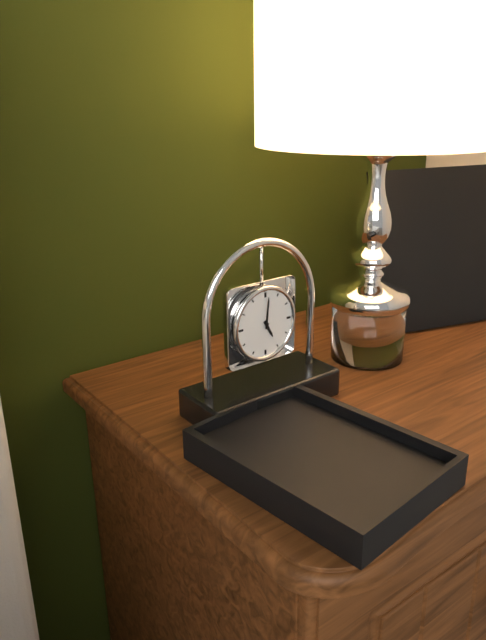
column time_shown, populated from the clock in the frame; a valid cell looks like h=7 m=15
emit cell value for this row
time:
h=5 m=1
